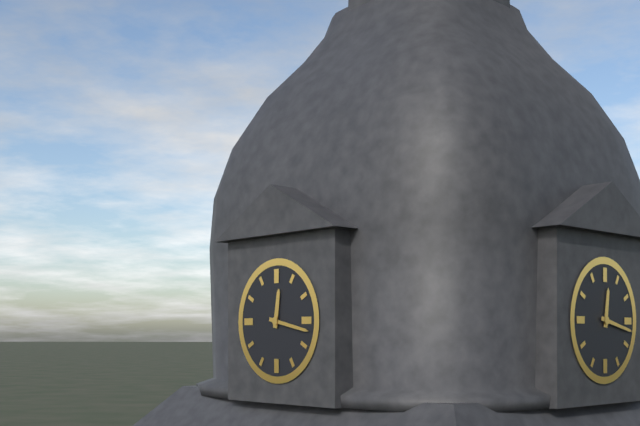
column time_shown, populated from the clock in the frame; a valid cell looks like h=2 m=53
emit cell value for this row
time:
h=12 m=17
